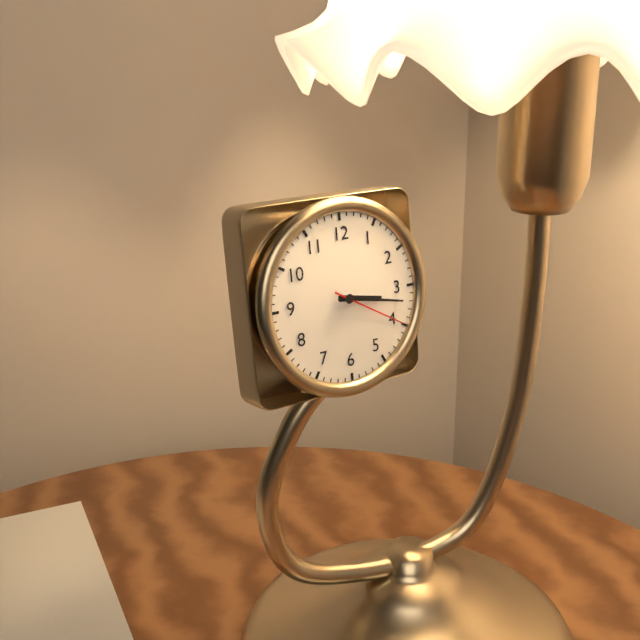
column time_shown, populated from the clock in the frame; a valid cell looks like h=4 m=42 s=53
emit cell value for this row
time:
h=3 m=17 s=20
